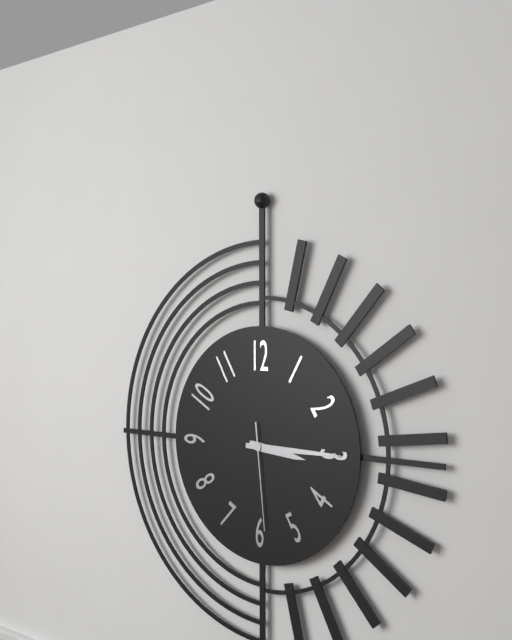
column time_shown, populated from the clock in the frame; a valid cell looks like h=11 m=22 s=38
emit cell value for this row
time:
h=3 m=15 s=29
